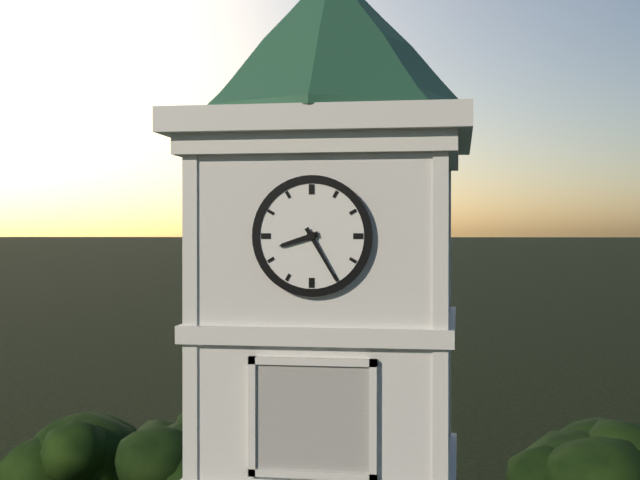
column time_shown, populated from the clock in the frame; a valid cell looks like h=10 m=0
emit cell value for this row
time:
h=8 m=25
